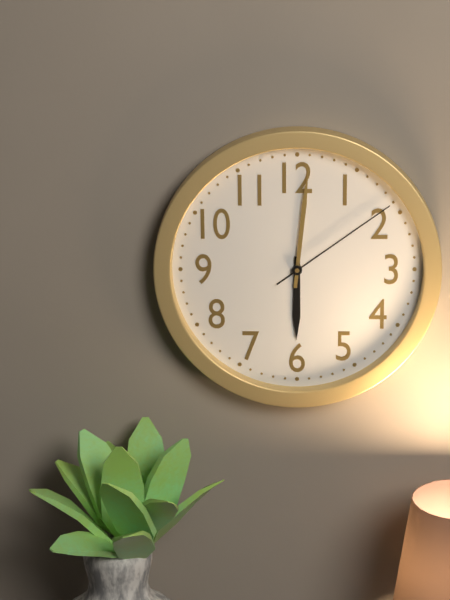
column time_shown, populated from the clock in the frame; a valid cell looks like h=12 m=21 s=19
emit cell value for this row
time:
h=6 m=1 s=9
